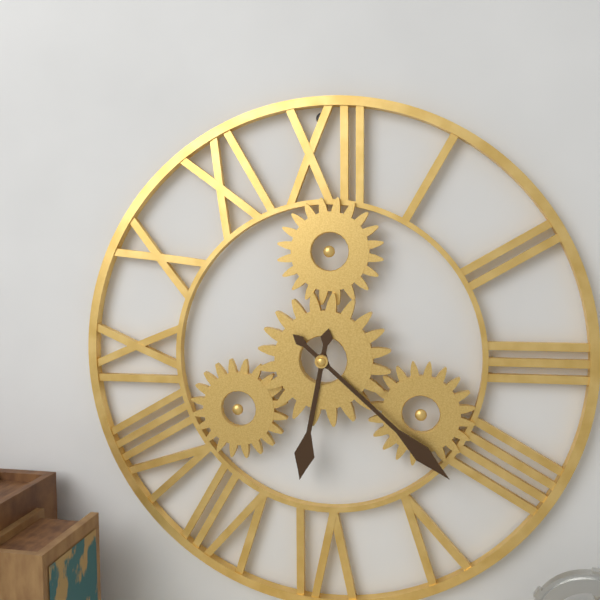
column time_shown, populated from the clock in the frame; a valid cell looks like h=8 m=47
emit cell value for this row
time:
h=6 m=22
